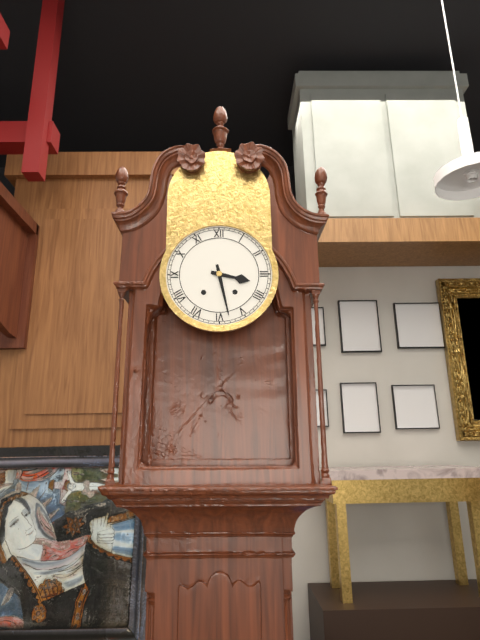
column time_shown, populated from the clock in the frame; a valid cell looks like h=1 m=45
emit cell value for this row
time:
h=3 m=28
